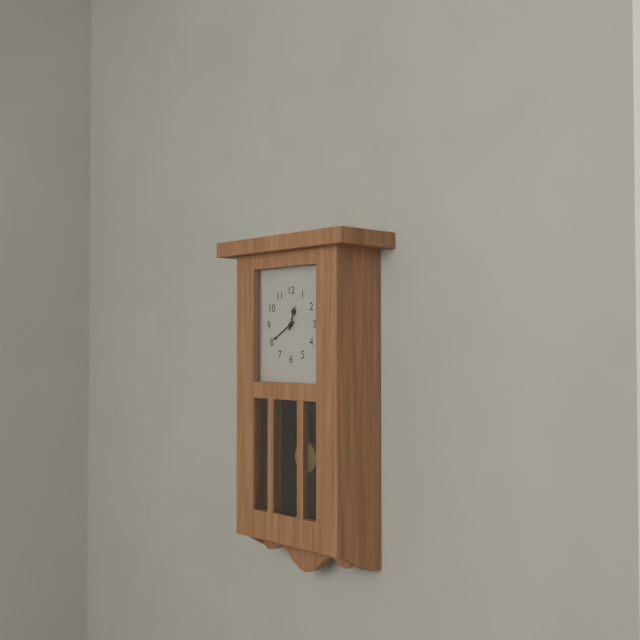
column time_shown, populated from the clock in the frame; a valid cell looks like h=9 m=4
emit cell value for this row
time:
h=12 m=40
